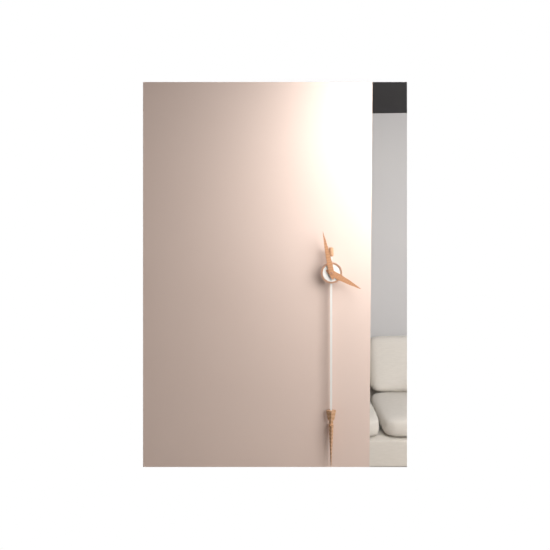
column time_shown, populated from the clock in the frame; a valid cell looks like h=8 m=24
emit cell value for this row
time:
h=3 m=58
